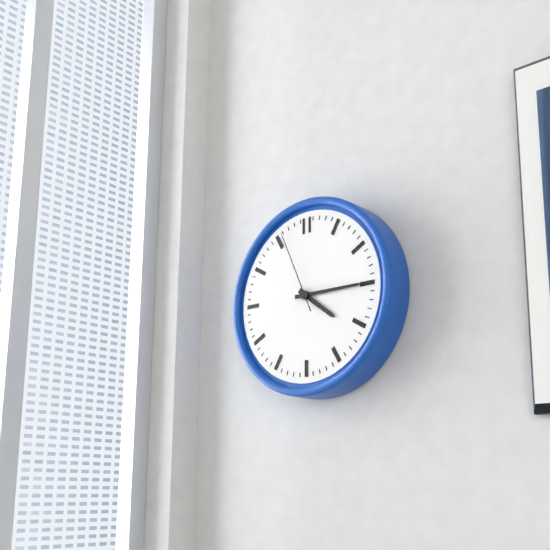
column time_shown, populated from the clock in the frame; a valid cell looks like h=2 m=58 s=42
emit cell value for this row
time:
h=4 m=15 s=56
